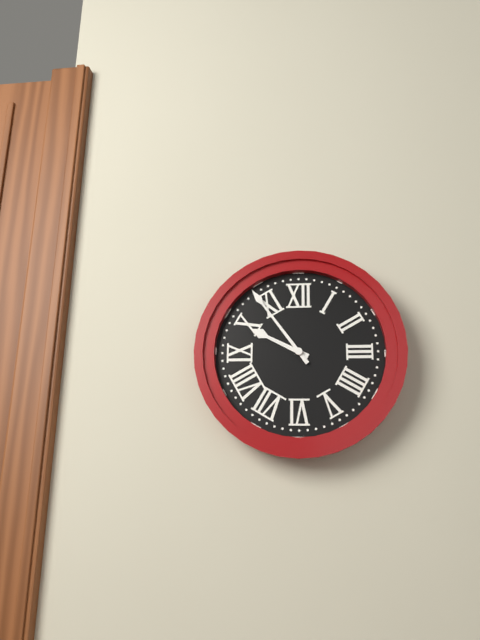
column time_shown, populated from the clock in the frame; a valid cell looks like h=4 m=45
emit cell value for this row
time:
h=9 m=54
